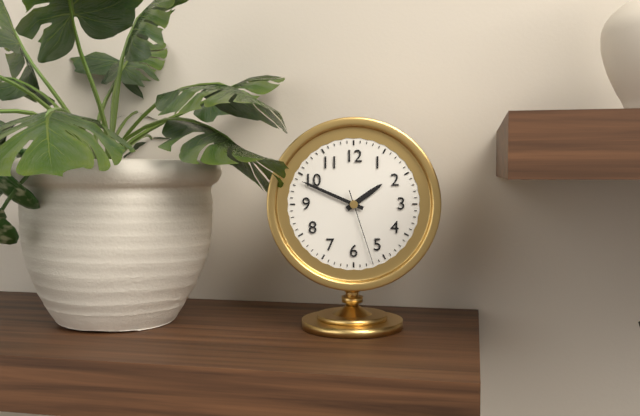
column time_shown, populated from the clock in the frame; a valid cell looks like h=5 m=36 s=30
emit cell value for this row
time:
h=1 m=49 s=27
